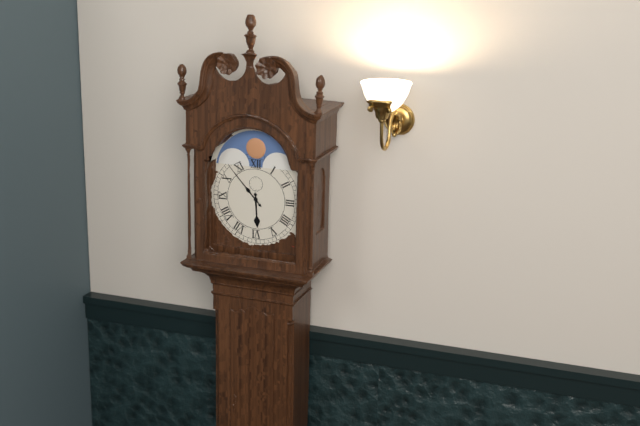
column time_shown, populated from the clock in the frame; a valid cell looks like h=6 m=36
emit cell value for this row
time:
h=5 m=53
